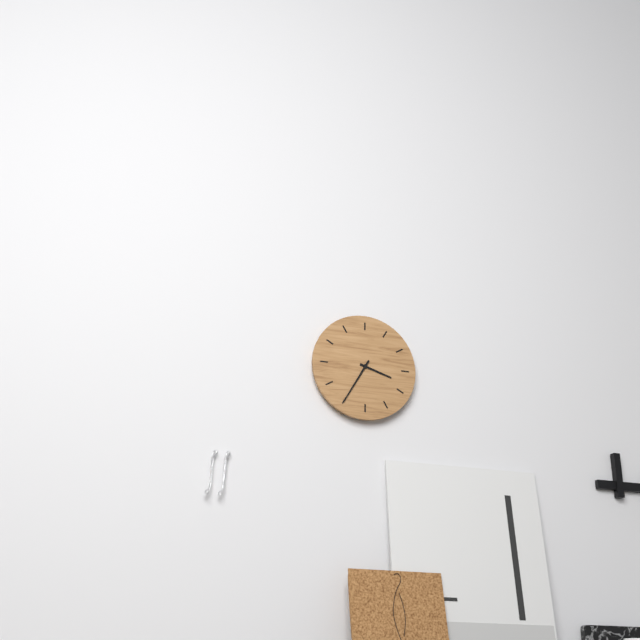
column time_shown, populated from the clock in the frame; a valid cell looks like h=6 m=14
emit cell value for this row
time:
h=3 m=35
